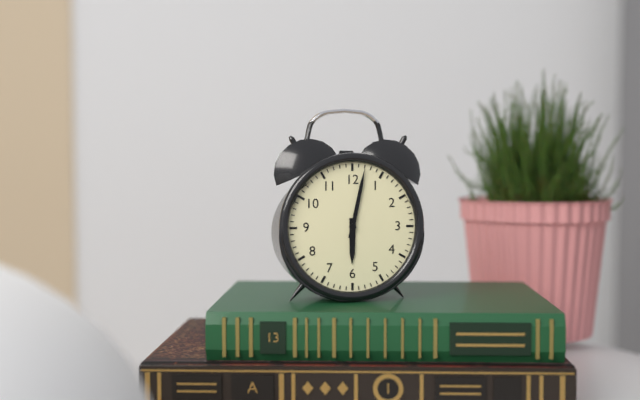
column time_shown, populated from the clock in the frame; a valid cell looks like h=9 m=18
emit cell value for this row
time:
h=6 m=2
